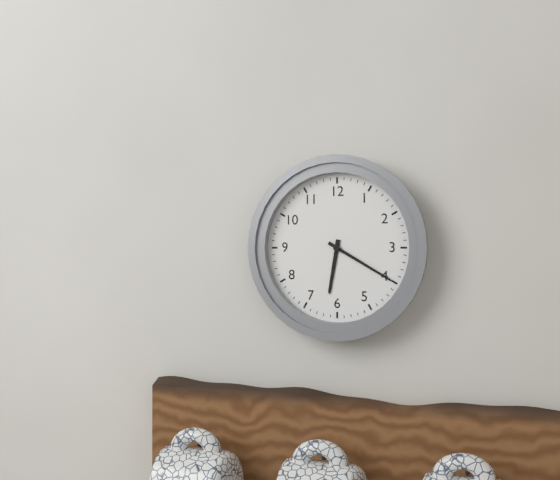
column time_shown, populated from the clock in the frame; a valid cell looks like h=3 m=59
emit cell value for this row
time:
h=6 m=20
